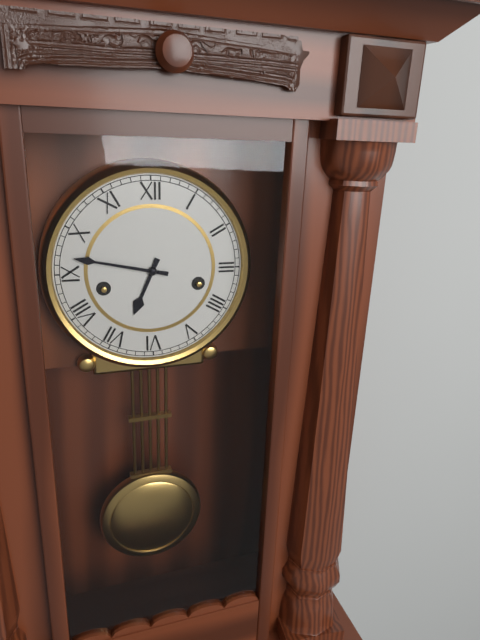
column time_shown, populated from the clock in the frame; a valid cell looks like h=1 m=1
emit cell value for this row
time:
h=6 m=47
